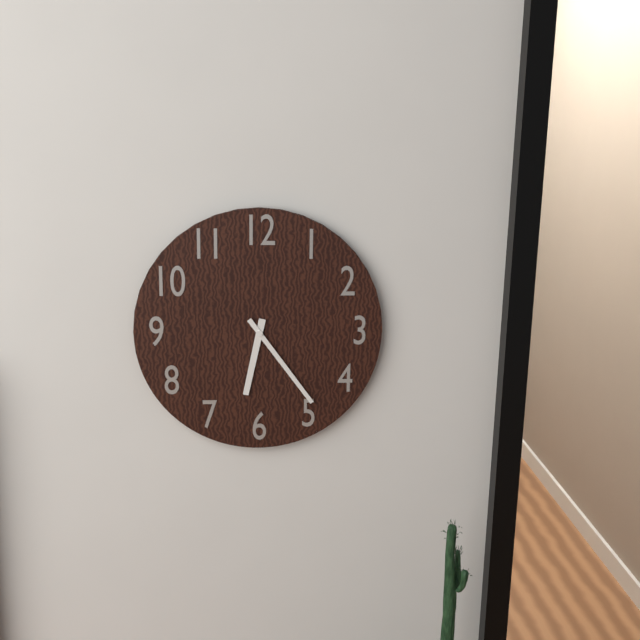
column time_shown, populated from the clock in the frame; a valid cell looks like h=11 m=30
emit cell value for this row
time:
h=6 m=24
